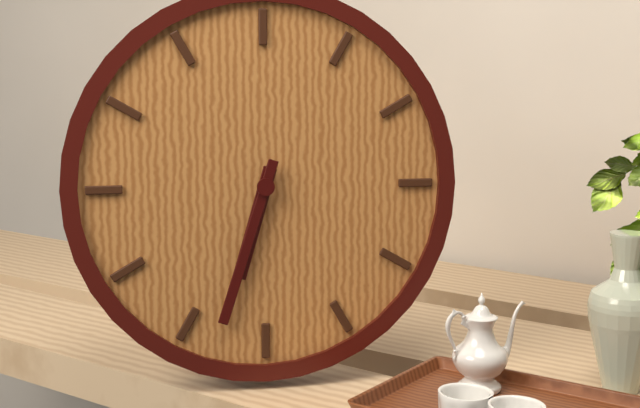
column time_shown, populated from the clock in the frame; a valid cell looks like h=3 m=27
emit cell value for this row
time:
h=6 m=33
